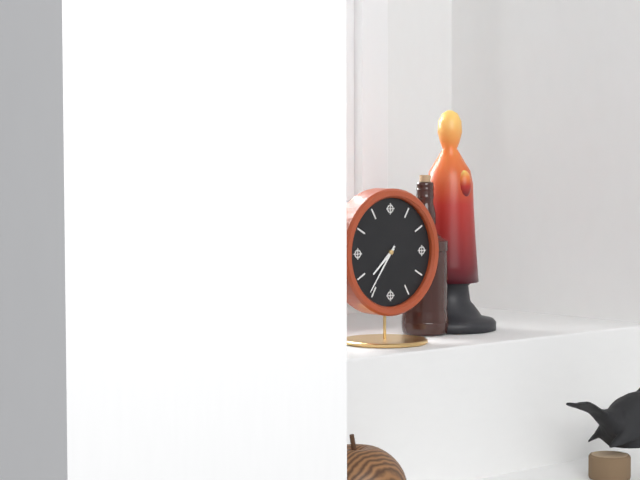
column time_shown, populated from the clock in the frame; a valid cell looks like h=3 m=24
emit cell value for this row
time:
h=7 m=36
